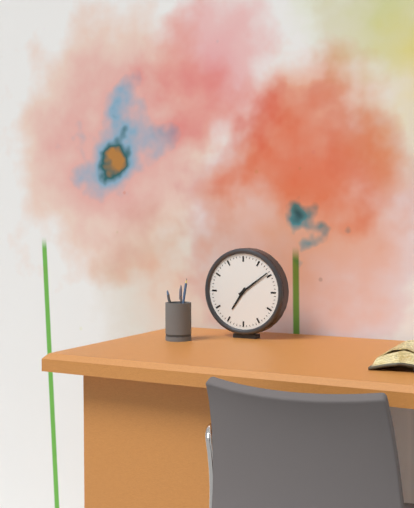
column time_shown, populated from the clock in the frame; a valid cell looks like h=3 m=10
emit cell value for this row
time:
h=7 m=9
